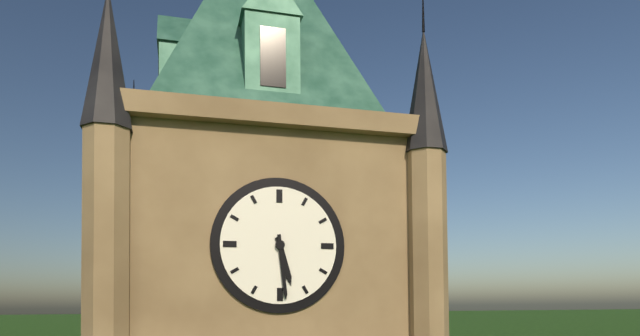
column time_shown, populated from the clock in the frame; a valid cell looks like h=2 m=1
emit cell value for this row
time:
h=5 m=29
